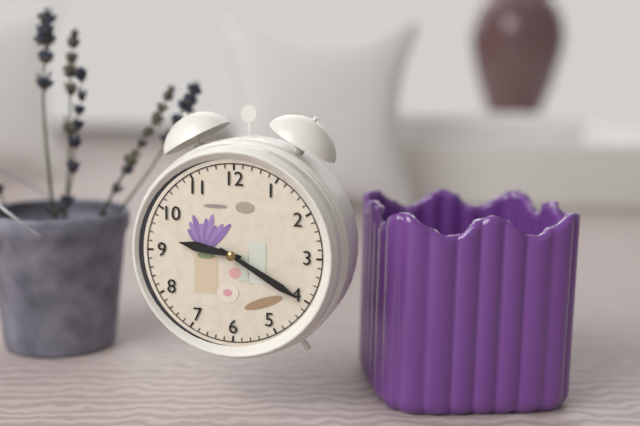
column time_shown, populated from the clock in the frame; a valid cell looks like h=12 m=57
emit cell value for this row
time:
h=9 m=20
